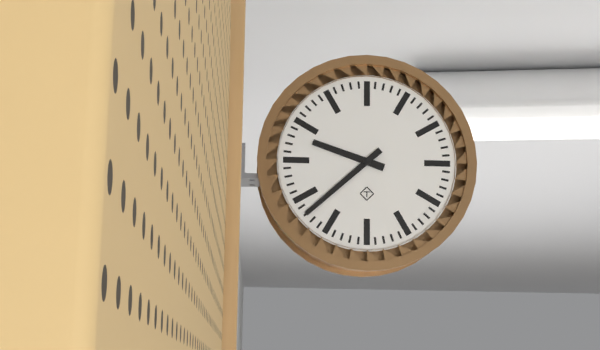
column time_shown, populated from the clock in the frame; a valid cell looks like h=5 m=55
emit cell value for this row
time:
h=9 m=38
